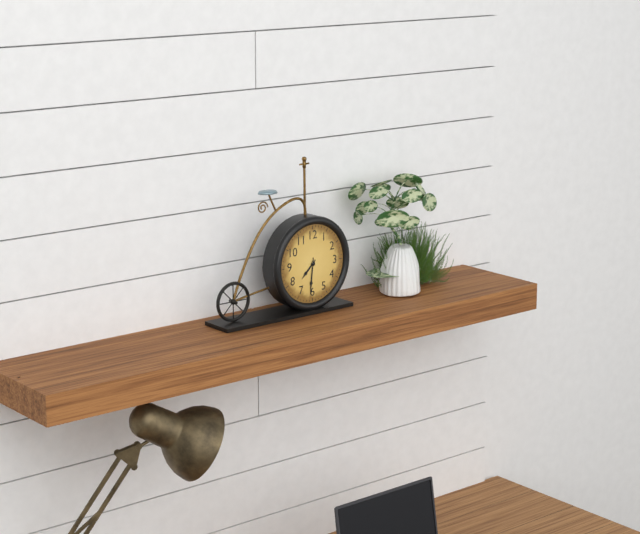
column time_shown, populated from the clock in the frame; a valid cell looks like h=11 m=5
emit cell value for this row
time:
h=7 m=31
